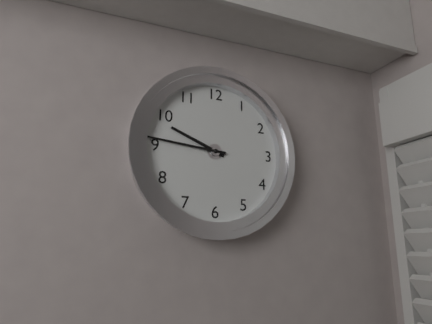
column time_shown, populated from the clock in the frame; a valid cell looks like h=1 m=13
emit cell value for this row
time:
h=9 m=46
